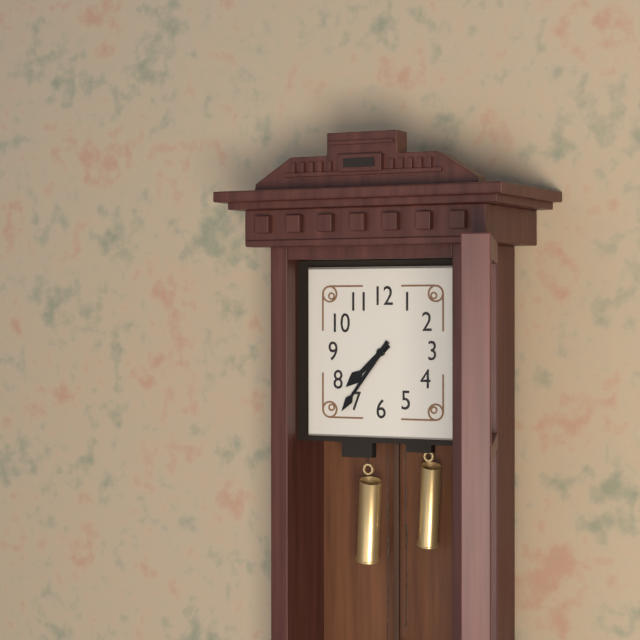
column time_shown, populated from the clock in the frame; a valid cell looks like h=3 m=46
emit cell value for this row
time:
h=7 m=36
